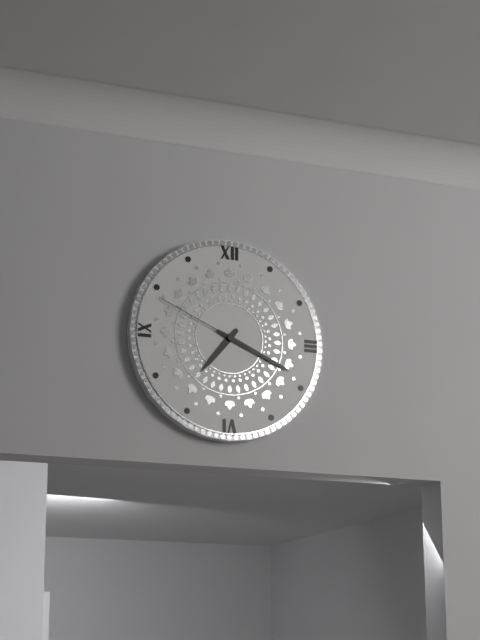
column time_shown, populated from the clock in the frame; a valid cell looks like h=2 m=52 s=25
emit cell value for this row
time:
h=7 m=19 s=49
